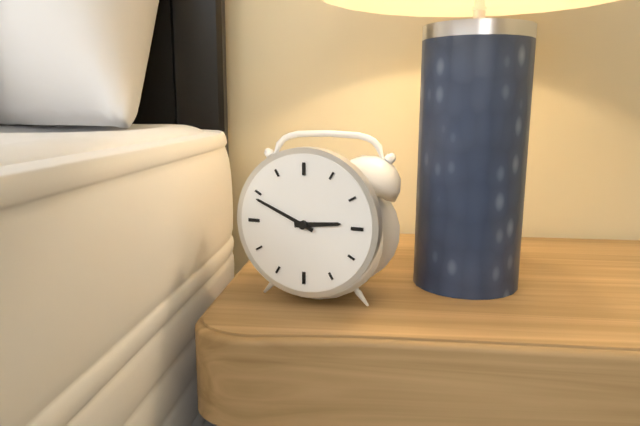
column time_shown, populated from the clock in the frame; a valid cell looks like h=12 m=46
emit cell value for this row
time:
h=2 m=49
